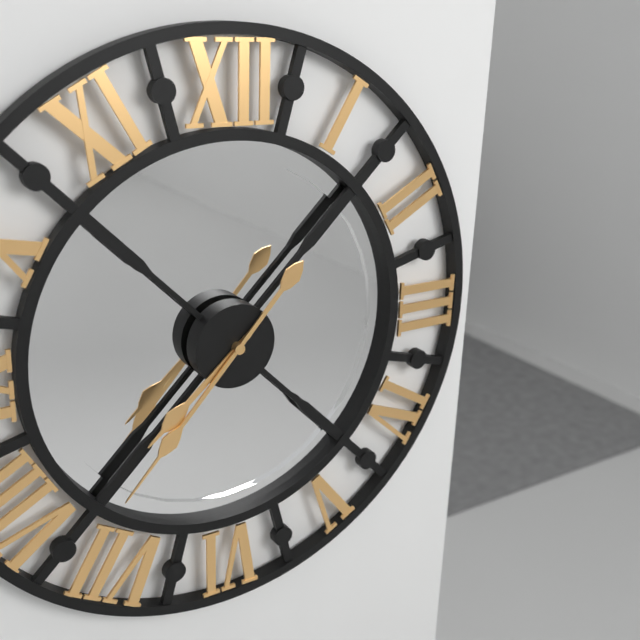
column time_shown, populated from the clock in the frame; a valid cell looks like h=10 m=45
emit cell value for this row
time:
h=7 m=37
